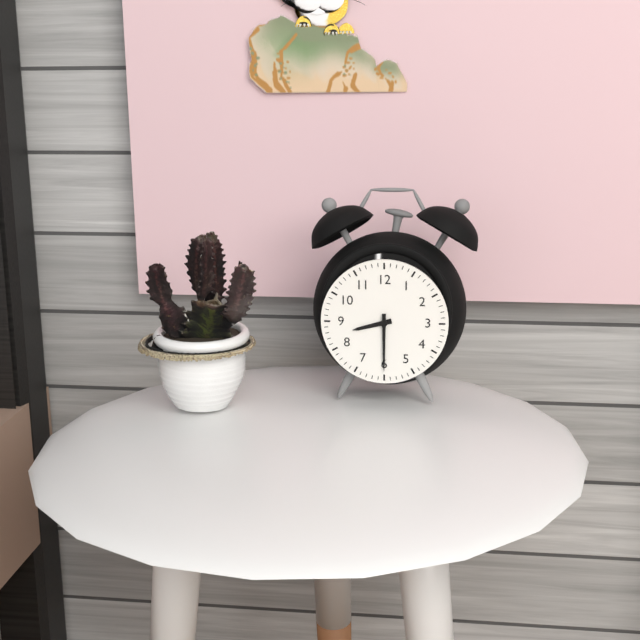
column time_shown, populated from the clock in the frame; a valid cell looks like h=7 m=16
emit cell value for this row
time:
h=8 m=30
